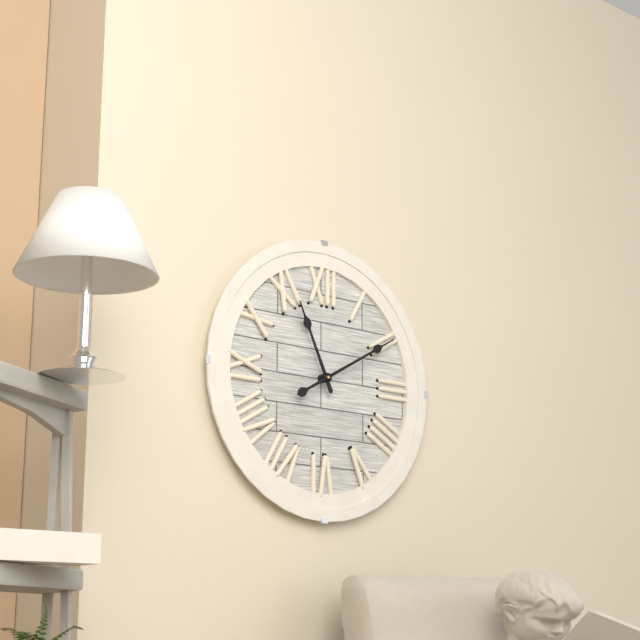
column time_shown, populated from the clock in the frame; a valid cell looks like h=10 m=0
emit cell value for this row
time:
h=11 m=10
